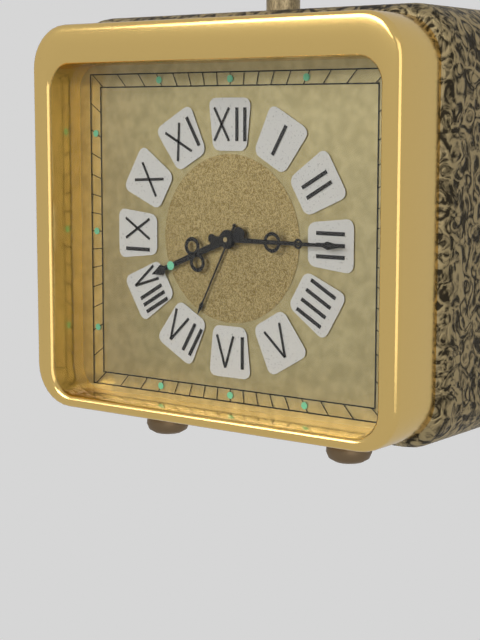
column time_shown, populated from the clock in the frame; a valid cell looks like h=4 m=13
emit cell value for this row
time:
h=8 m=15
